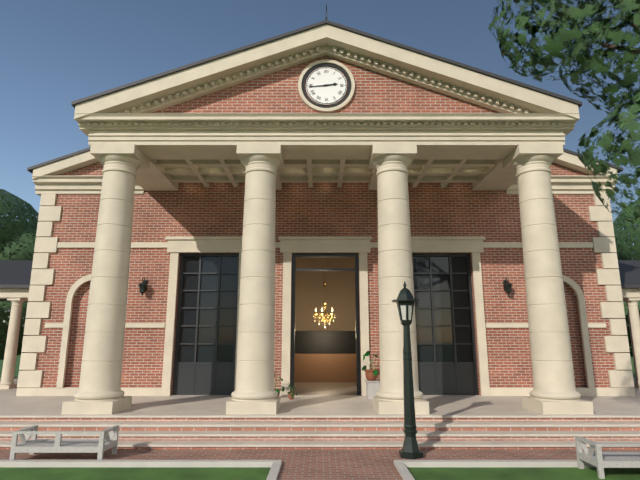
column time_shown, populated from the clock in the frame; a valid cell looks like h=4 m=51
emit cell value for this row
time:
h=2 m=44
